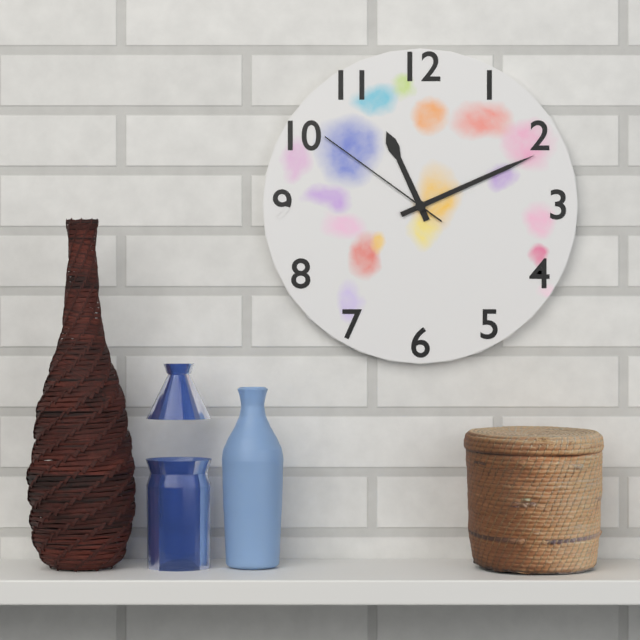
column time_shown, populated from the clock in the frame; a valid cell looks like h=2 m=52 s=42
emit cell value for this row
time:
h=11 m=11 s=51
